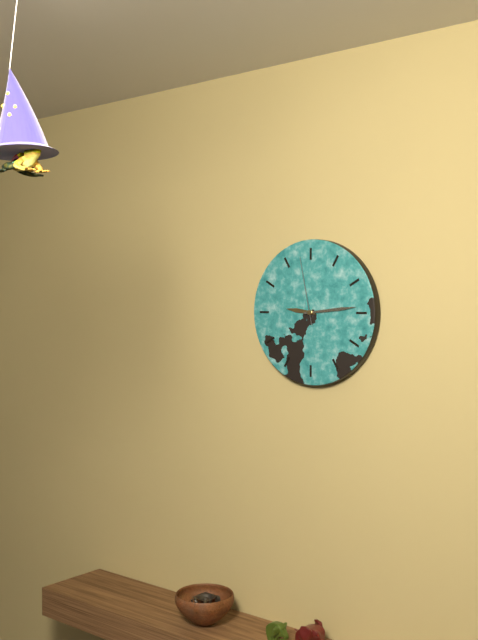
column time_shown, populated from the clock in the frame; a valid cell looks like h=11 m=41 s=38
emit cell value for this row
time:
h=9 m=14 s=58
